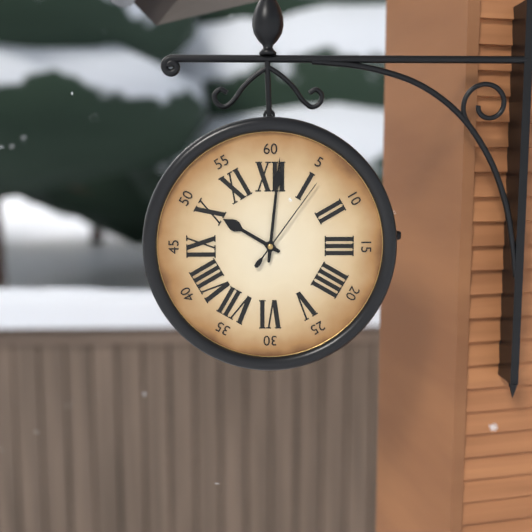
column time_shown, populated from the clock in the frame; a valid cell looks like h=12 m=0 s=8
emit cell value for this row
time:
h=10 m=1 s=6
